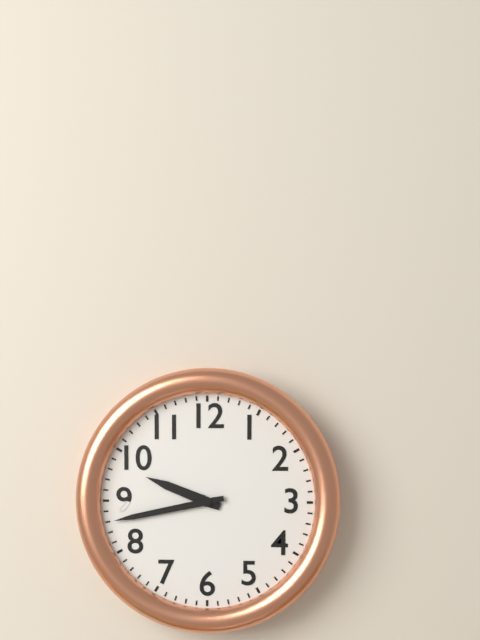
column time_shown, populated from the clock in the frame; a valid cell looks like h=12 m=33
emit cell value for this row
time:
h=9 m=43
